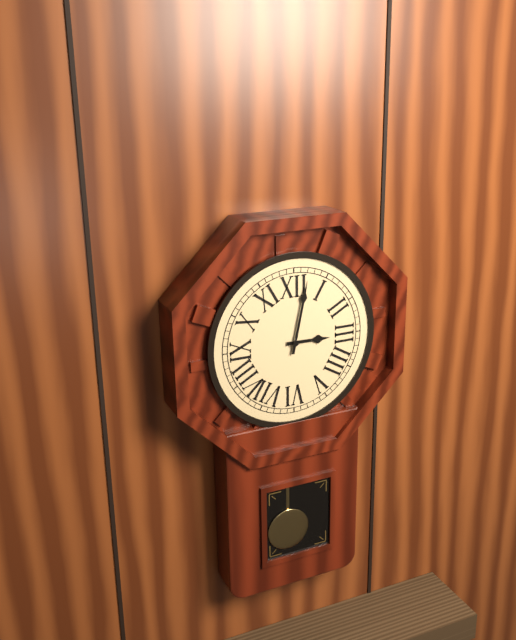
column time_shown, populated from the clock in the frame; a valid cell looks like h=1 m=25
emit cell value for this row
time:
h=3 m=2
